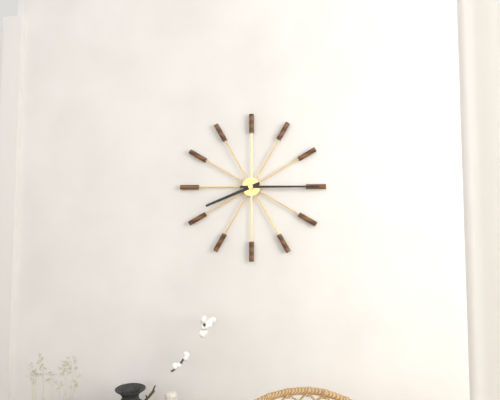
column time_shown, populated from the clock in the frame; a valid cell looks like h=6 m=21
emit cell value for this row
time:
h=8 m=15
